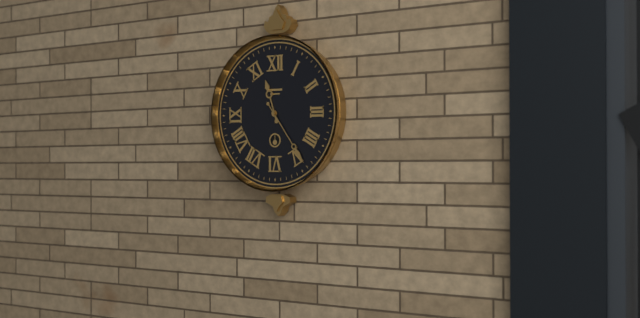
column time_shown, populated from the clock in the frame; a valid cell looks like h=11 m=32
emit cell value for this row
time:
h=11 m=24
